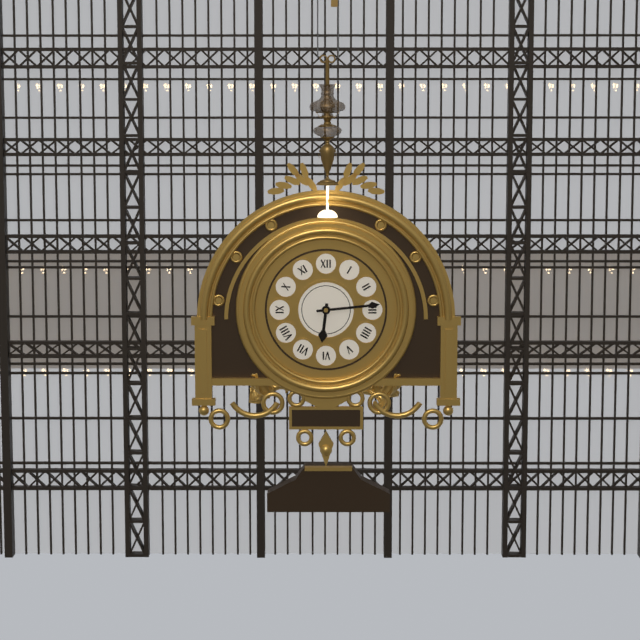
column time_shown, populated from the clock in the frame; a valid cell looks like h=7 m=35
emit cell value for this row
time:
h=6 m=14
